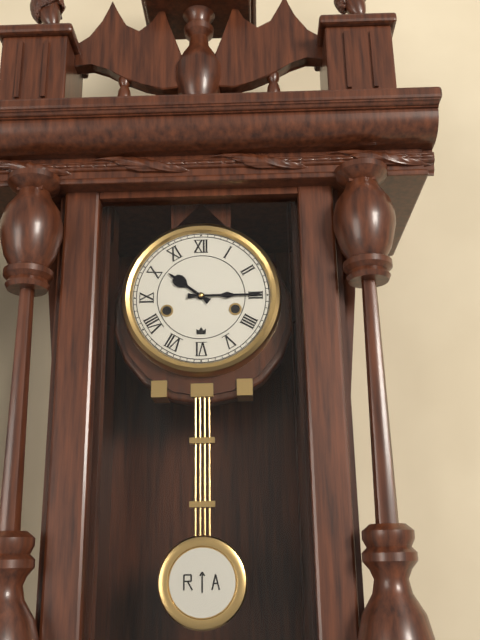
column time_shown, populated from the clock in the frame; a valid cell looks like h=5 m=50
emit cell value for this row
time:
h=10 m=15
